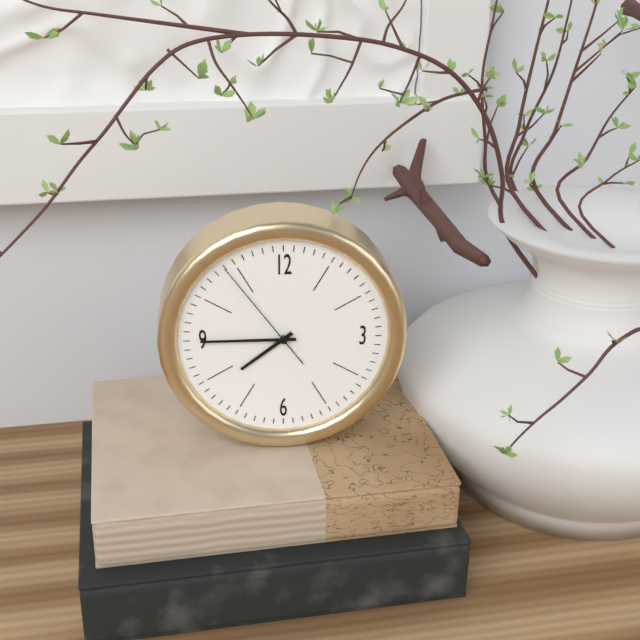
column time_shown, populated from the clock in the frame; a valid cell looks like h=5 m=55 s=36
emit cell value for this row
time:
h=7 m=45 s=54
